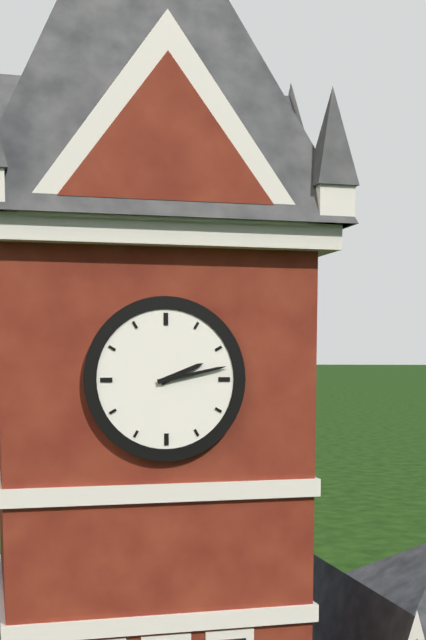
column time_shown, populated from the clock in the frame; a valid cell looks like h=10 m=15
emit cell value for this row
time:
h=2 m=13
